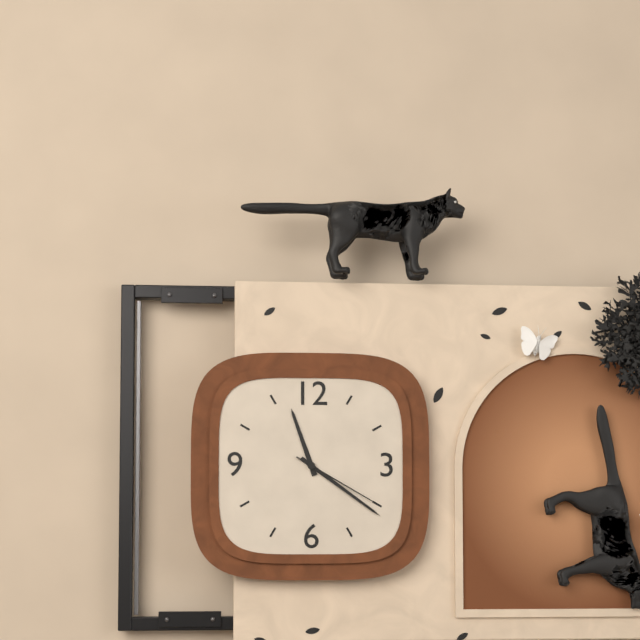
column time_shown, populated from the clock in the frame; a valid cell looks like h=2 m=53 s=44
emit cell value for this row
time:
h=11 m=21 s=20
